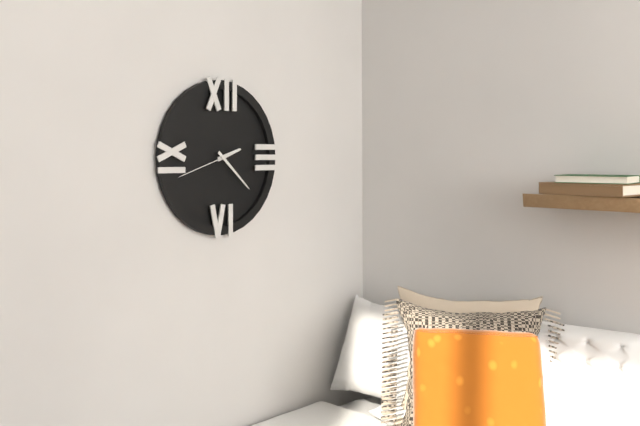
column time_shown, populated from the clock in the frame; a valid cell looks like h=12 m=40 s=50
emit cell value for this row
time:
h=2 m=22 s=42
